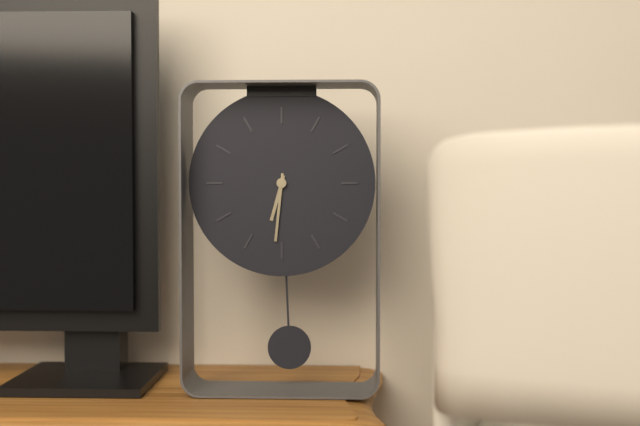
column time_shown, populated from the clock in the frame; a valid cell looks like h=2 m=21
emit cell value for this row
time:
h=6 m=31
